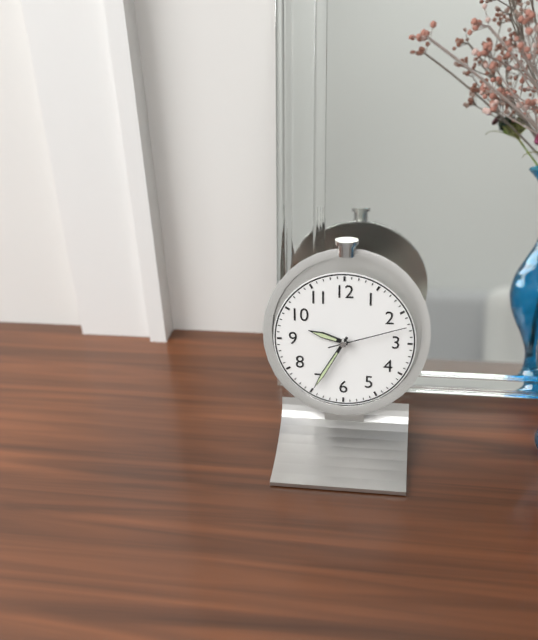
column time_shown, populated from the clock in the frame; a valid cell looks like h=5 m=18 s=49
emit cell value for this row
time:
h=9 m=35 s=12
